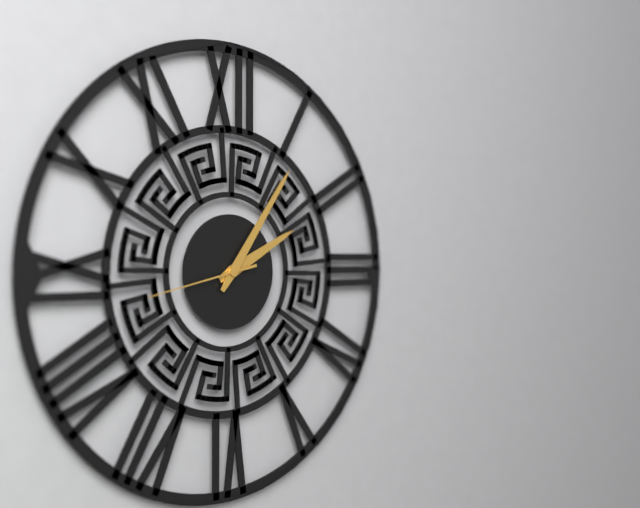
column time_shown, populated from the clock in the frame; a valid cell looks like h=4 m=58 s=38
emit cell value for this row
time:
h=2 m=6 s=43
